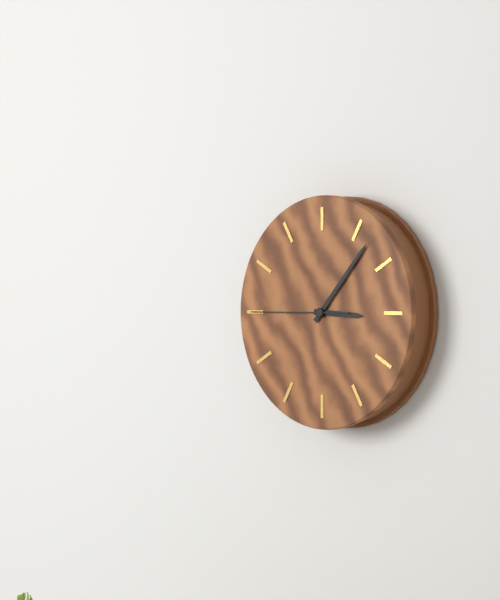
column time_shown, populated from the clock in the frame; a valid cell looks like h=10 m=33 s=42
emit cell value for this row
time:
h=3 m=7 s=45
